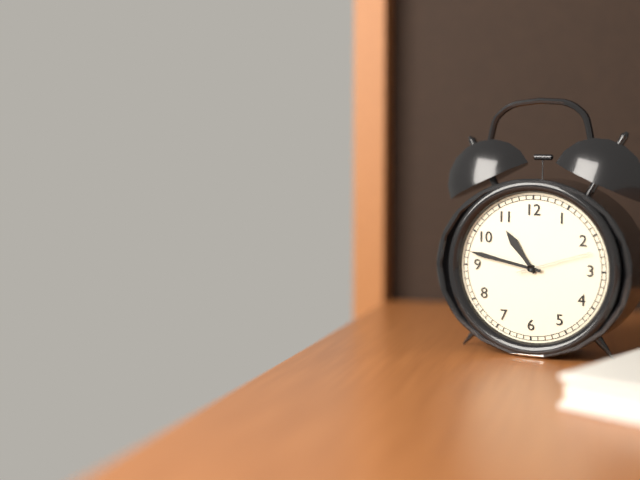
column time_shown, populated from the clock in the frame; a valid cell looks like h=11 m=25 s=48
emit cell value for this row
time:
h=10 m=47 s=12
